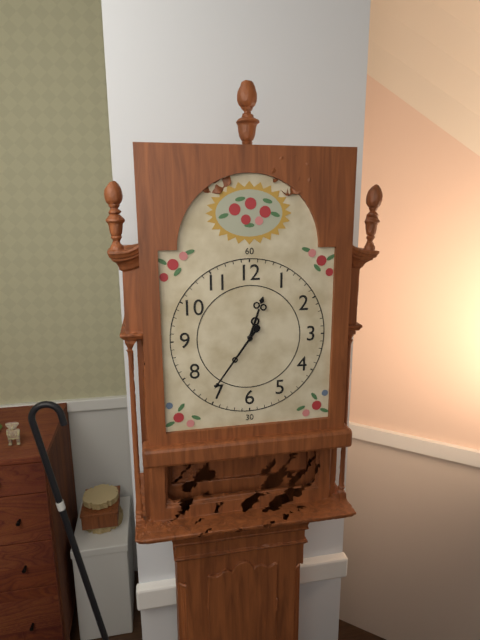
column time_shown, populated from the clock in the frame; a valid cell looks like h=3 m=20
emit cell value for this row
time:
h=12 m=36
